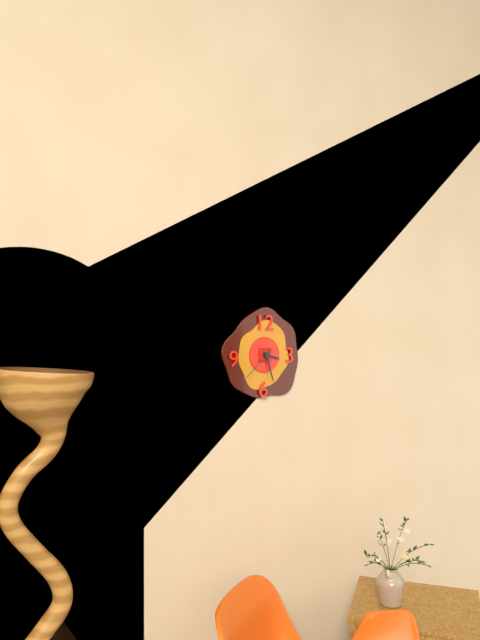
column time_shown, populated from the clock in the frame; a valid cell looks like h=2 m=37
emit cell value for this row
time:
h=3 m=27
